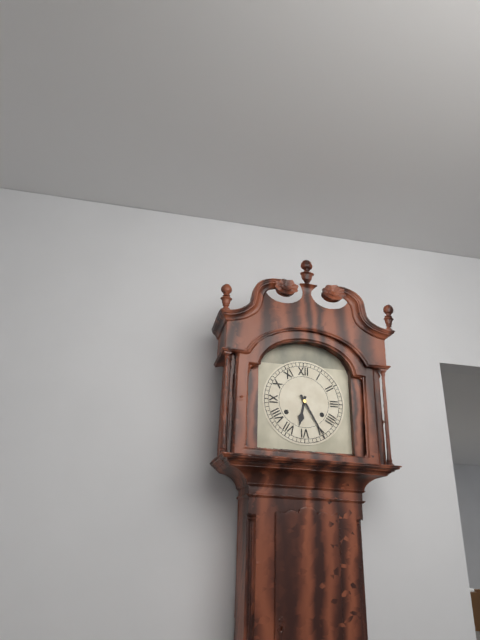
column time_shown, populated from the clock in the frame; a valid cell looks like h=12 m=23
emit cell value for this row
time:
h=6 m=25
